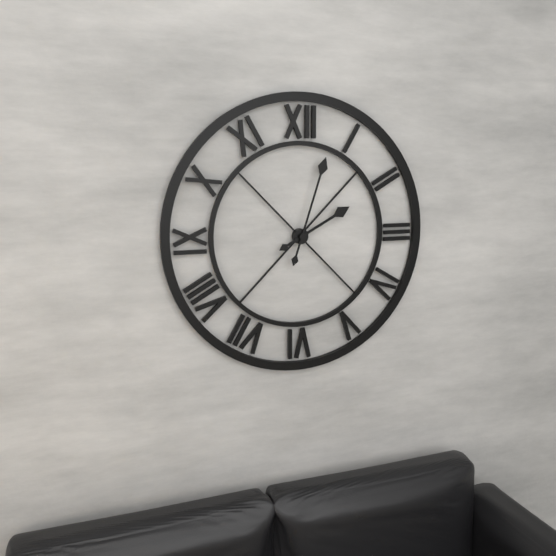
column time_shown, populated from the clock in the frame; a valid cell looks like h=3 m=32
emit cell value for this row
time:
h=2 m=3
